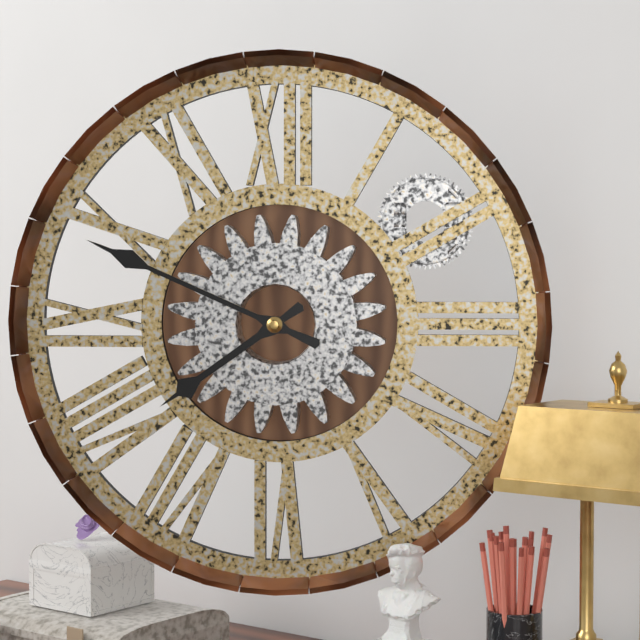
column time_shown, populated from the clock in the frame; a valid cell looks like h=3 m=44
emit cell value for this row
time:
h=7 m=49
